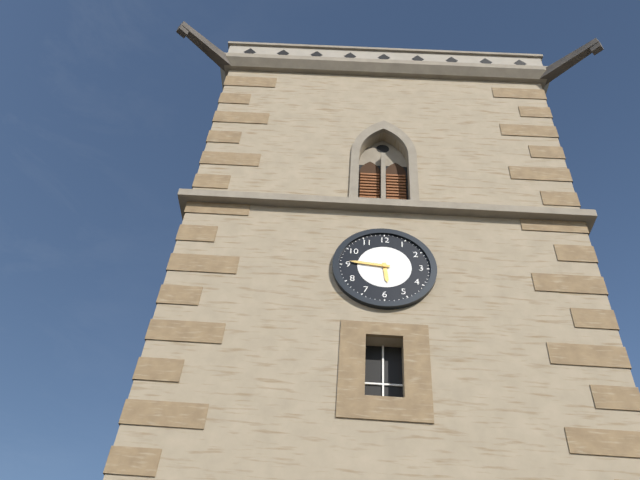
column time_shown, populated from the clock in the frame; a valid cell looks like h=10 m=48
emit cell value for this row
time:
h=5 m=46
